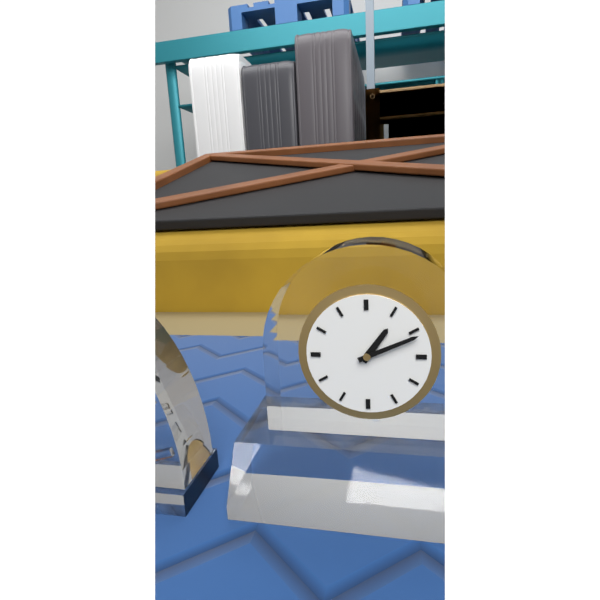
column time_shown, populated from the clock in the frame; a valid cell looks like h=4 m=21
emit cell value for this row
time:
h=1 m=11
